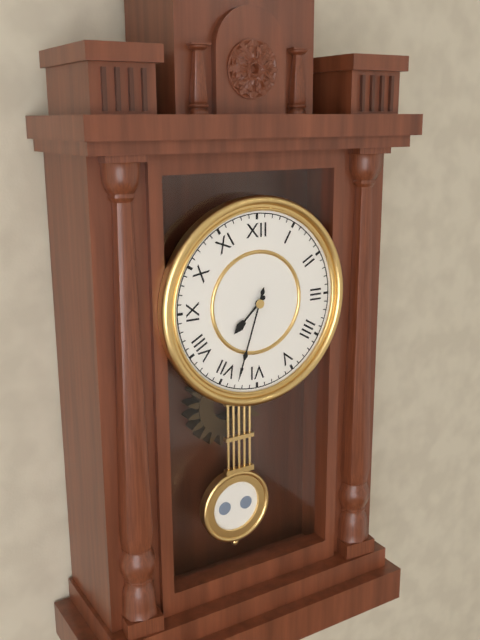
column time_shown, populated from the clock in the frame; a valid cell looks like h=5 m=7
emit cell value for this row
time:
h=7 m=33
